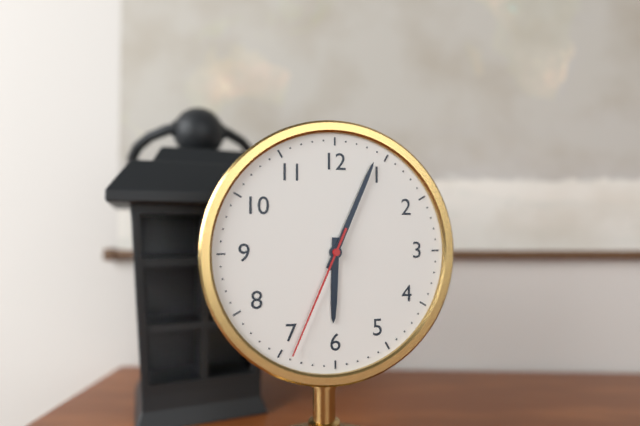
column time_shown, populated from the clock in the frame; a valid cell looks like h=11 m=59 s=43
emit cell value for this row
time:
h=6 m=4 s=34
